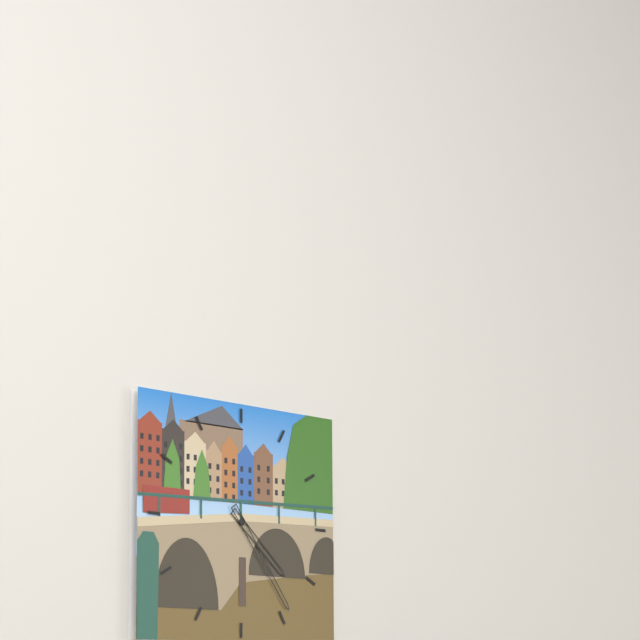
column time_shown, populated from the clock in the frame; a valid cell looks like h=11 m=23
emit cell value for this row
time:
h=4 m=24
